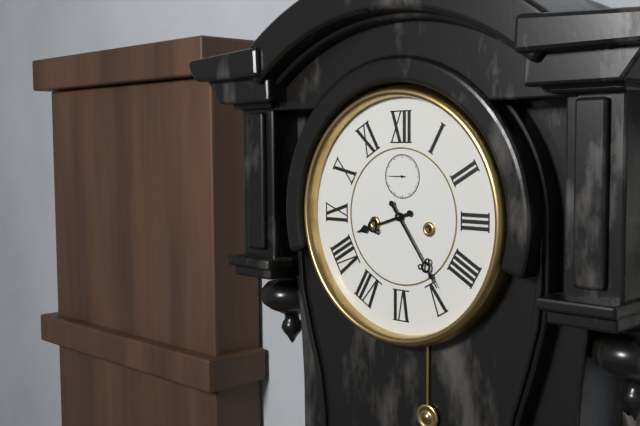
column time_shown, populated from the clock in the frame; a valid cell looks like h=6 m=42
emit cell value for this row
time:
h=8 m=24
